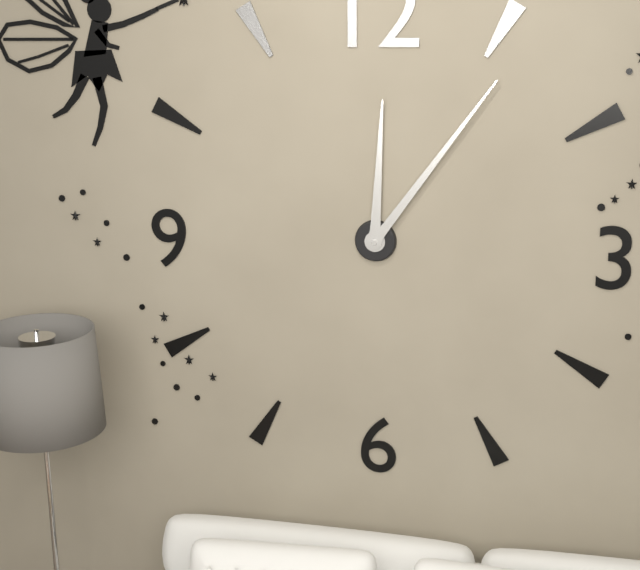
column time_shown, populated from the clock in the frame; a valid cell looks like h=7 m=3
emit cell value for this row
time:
h=12 m=6
